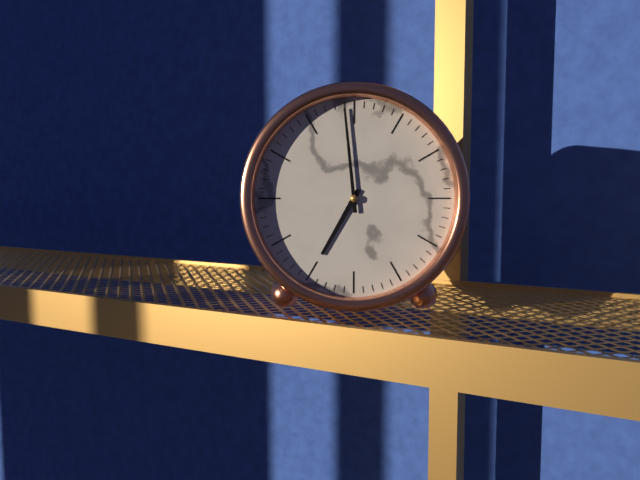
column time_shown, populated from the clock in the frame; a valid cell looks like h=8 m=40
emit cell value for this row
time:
h=6 m=59
